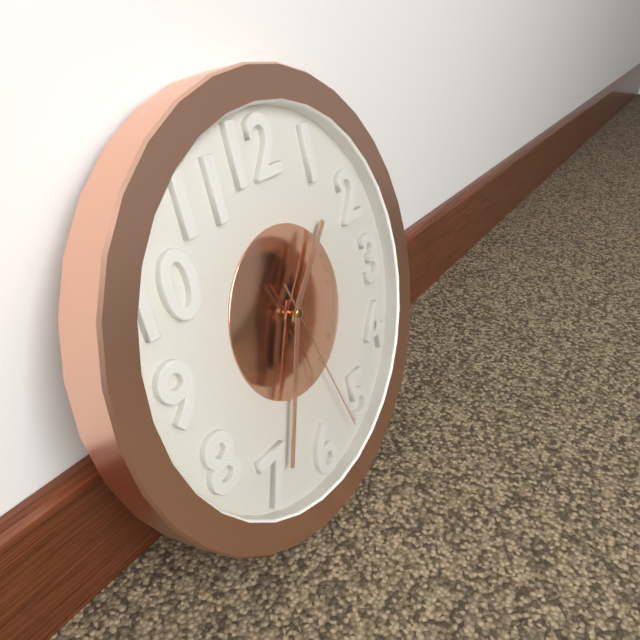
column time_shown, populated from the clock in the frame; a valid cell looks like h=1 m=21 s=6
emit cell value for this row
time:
h=1 m=34 s=27
